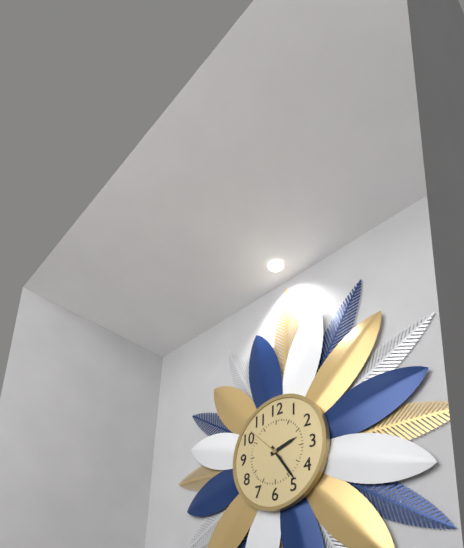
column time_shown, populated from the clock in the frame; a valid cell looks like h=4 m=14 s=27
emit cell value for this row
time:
h=2 m=24 s=52
